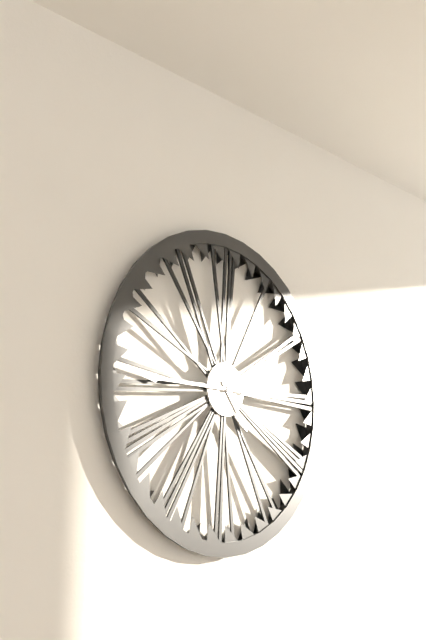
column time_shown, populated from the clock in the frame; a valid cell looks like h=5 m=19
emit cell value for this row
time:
h=4 m=45
